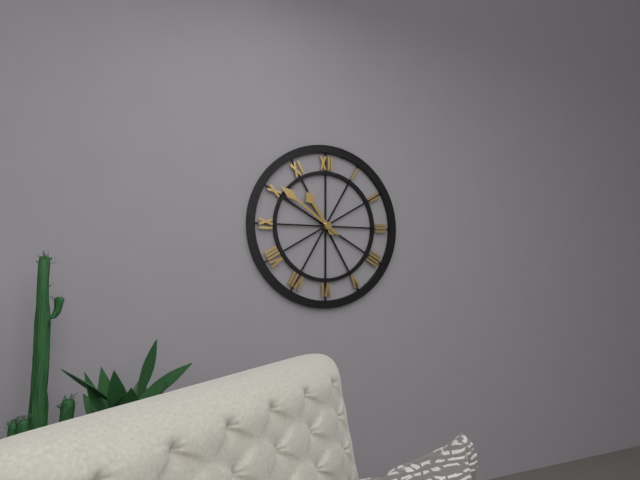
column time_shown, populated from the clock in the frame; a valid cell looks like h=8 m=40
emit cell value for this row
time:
h=10 m=51
